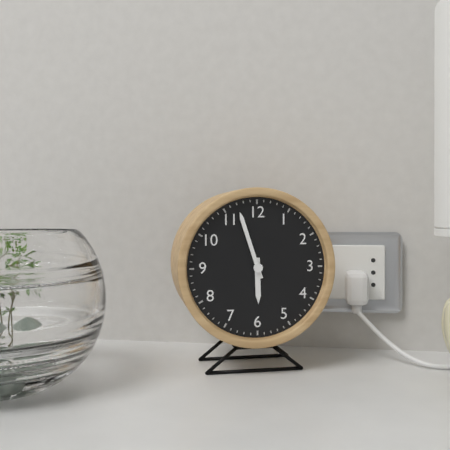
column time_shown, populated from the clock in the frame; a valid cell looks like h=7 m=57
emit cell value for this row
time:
h=5 m=57
